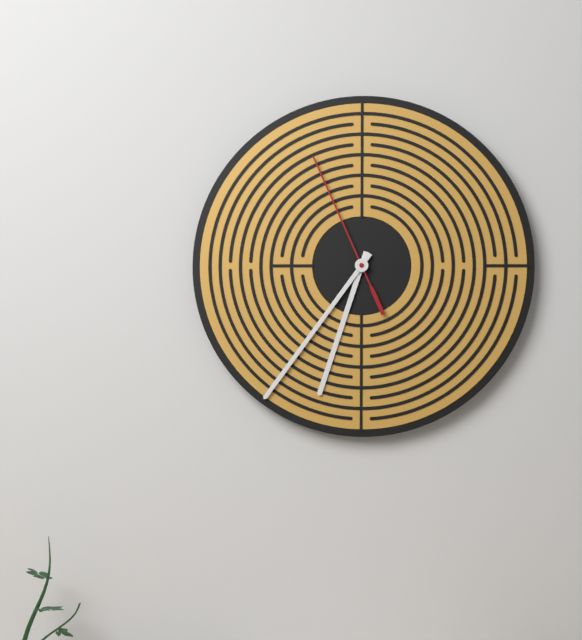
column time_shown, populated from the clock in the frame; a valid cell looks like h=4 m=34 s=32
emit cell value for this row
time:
h=6 m=36 s=56
